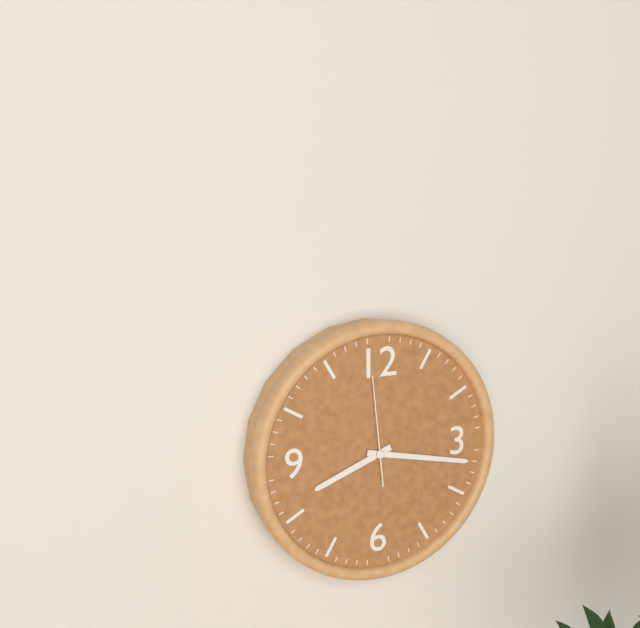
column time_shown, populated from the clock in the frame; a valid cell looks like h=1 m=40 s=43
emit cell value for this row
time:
h=8 m=17 s=59
